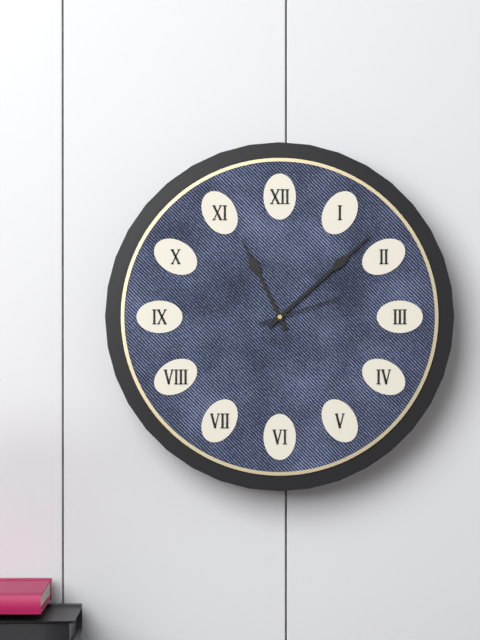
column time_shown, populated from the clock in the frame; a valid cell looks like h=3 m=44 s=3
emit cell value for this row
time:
h=11 m=8 s=12
